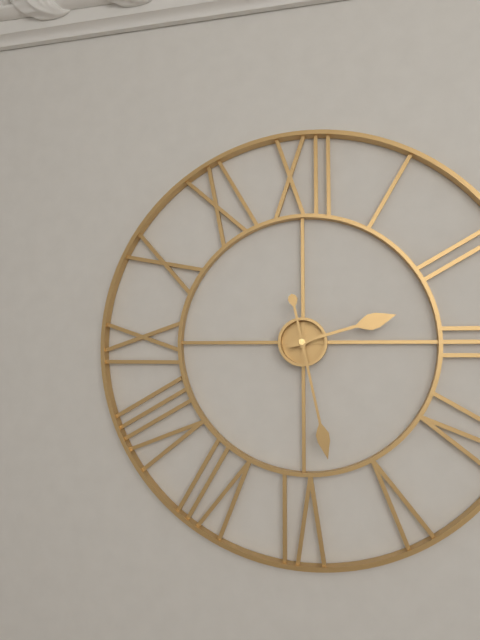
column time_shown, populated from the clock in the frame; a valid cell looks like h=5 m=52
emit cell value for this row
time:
h=2 m=28
